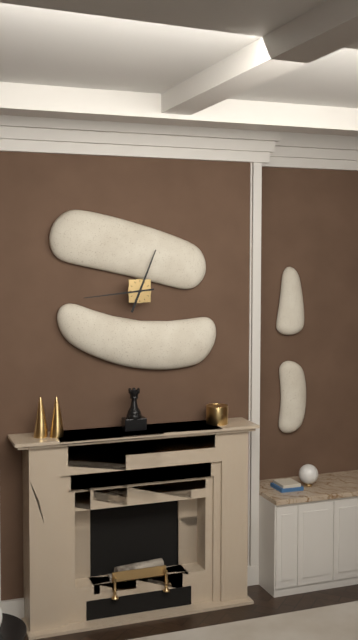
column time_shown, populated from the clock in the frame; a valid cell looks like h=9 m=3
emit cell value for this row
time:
h=12 m=44
